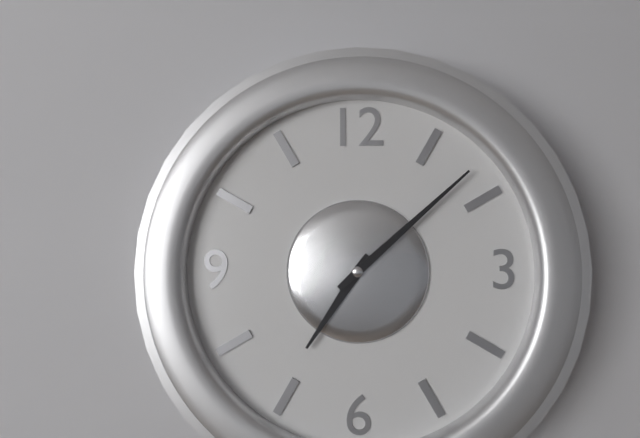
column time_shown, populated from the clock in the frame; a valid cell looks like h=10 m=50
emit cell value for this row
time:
h=7 m=8
